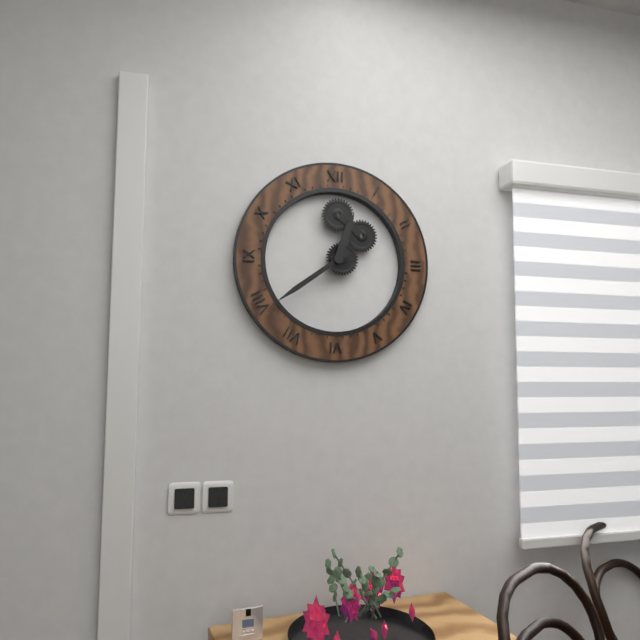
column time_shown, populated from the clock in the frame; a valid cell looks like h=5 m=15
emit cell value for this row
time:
h=12 m=39
